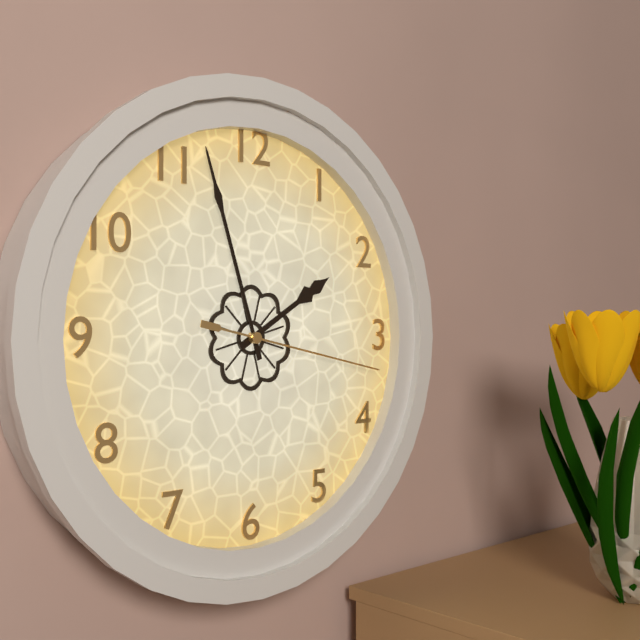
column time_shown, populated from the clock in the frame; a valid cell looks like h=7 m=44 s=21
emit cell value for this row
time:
h=1 m=57 s=17
